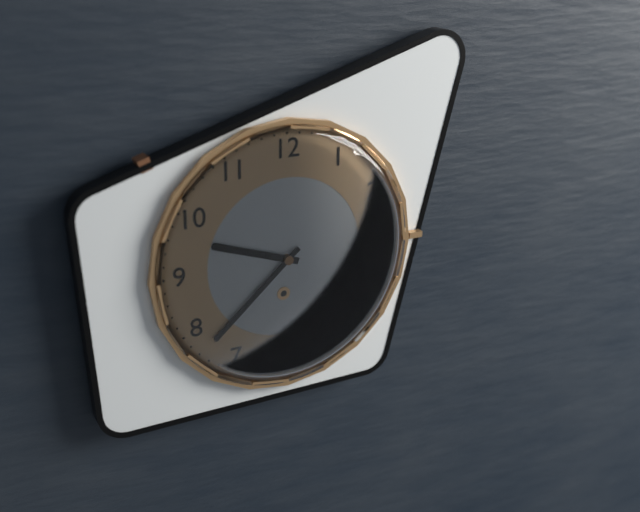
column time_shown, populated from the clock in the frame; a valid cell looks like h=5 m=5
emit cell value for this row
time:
h=9 m=38
